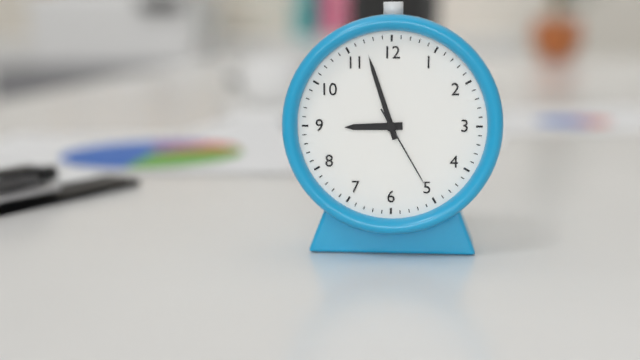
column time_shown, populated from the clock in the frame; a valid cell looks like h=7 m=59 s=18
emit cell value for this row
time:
h=8 m=57 s=25
